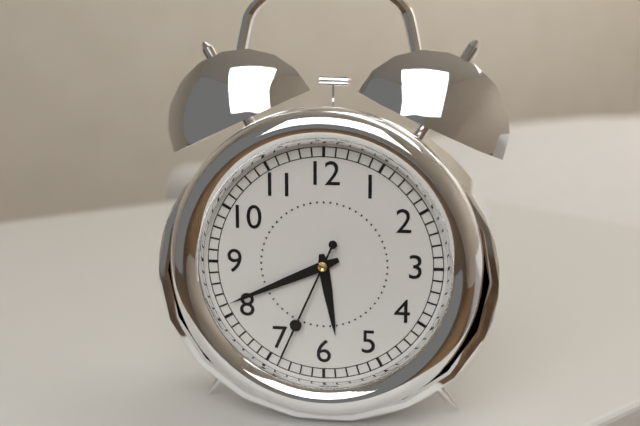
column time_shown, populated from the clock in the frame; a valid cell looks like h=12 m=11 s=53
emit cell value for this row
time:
h=5 m=41 s=34
